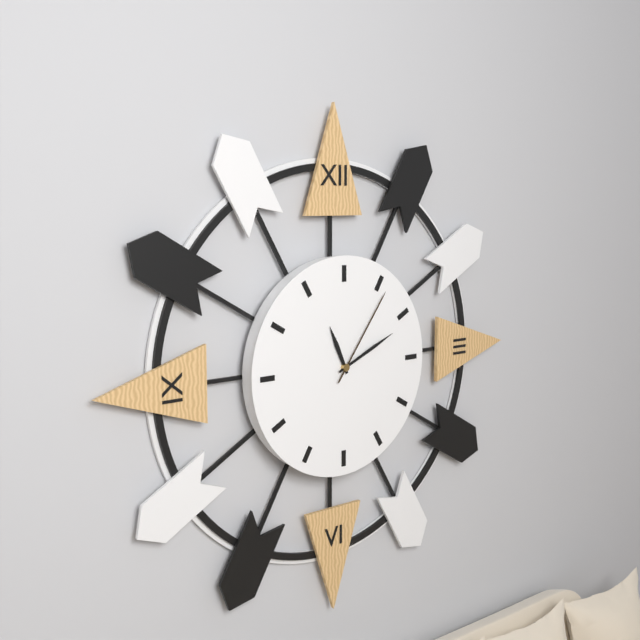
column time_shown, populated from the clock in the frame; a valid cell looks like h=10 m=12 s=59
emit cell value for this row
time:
h=11 m=11 s=6
